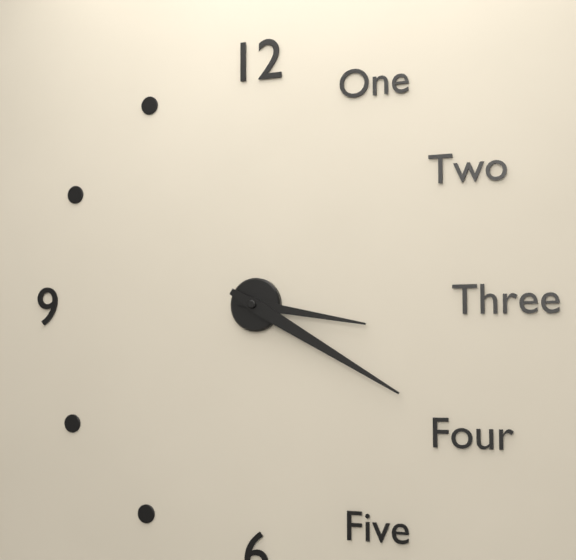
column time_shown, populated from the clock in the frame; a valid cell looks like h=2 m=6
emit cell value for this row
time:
h=3 m=20
